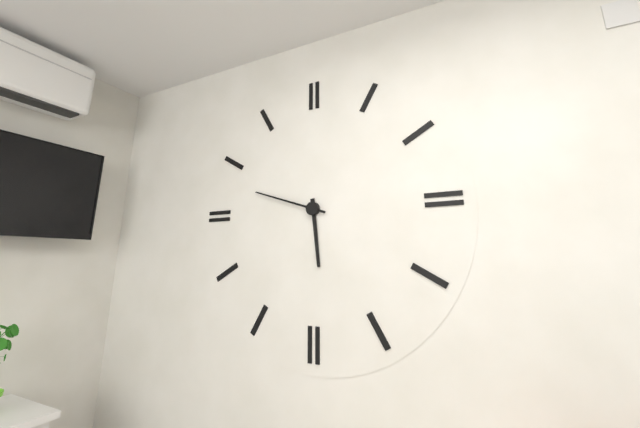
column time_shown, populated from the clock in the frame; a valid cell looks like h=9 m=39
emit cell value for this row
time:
h=5 m=48
